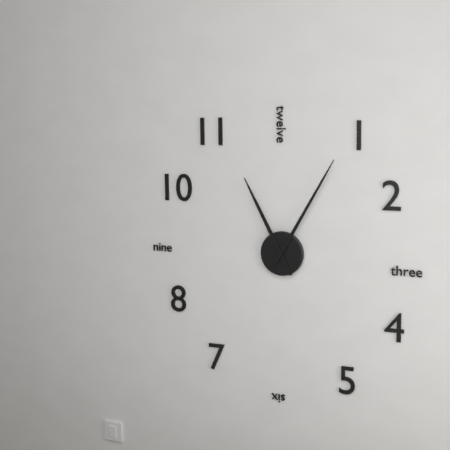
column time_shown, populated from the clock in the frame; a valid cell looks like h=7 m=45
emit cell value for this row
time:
h=11 m=5
